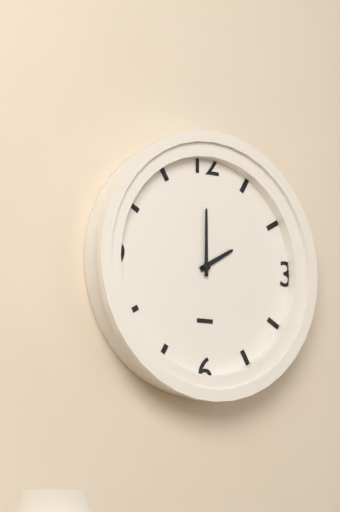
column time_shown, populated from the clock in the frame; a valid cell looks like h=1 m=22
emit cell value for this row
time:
h=2 m=0
